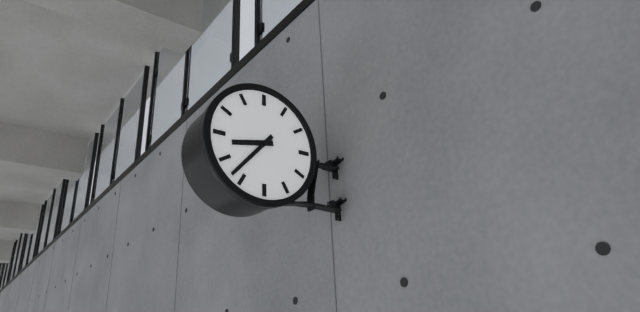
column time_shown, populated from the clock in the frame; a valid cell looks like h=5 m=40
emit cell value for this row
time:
h=8 m=37
